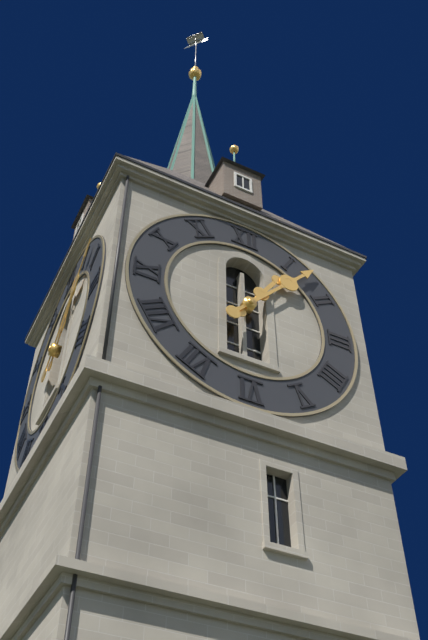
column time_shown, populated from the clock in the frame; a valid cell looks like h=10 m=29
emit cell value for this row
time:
h=1 m=7
